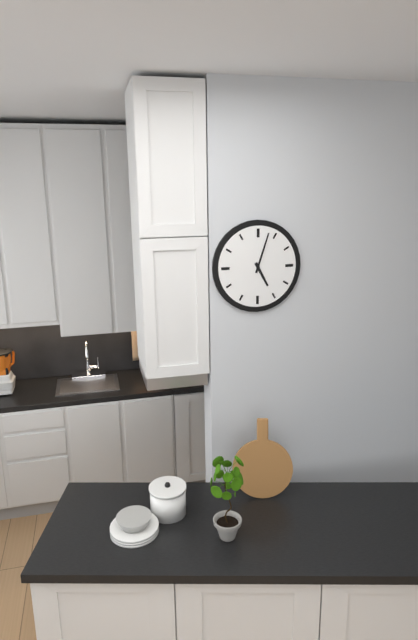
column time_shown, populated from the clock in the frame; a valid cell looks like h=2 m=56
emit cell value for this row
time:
h=5 m=3
